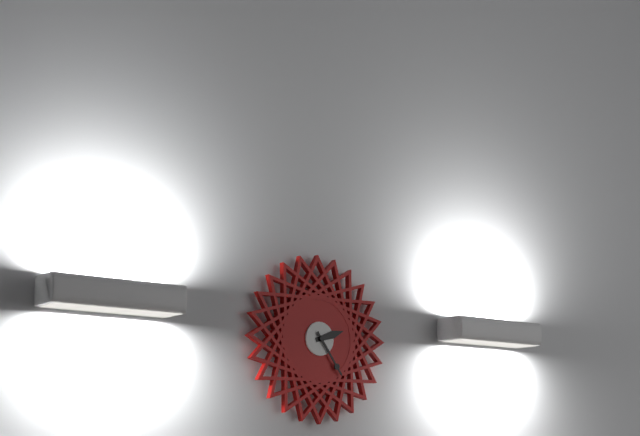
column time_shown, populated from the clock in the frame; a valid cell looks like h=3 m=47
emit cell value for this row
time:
h=2 m=24
